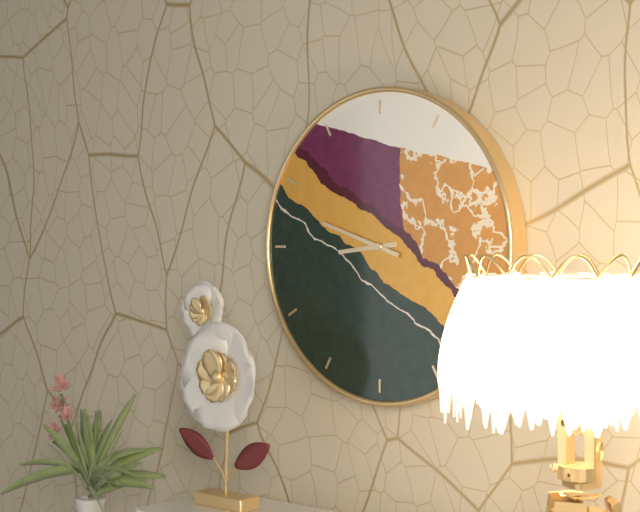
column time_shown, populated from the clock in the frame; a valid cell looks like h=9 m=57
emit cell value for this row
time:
h=8 m=48
